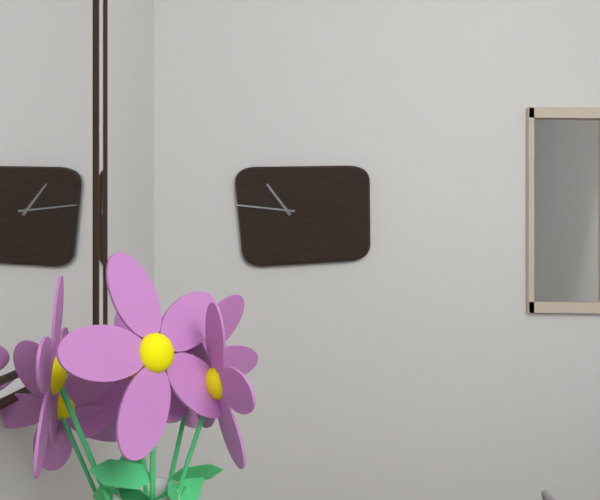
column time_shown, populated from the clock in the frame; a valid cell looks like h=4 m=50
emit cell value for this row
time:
h=10 m=46
